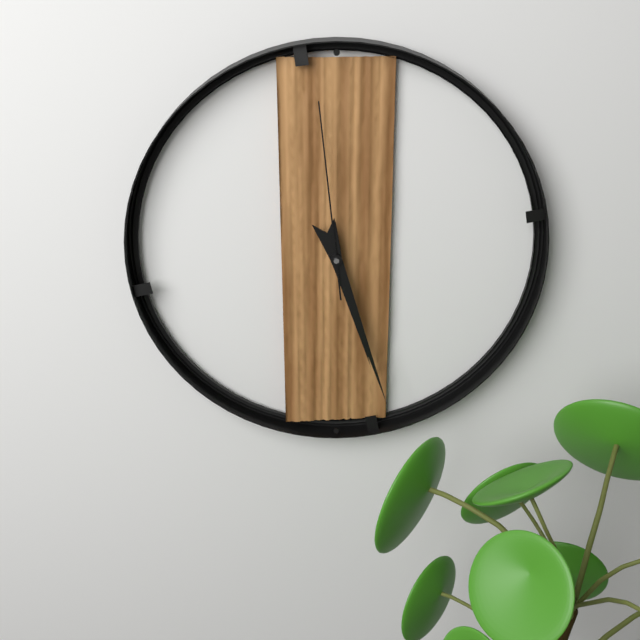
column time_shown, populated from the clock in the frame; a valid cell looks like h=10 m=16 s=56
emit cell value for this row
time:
h=5 m=27 s=59
